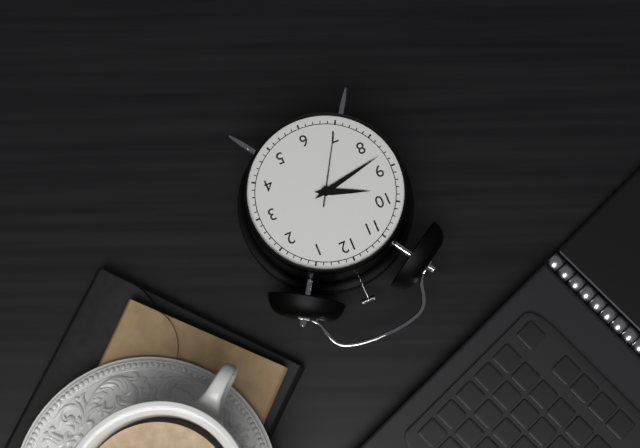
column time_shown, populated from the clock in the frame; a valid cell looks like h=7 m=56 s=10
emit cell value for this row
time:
h=9 m=43 s=35
